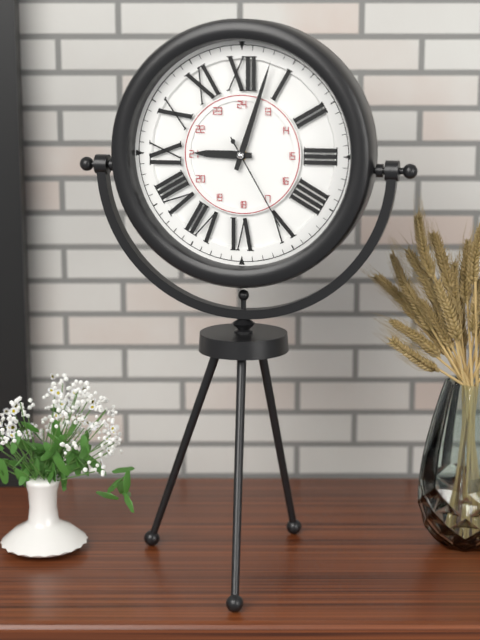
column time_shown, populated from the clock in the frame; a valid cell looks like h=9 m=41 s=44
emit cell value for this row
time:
h=9 m=3 s=25
